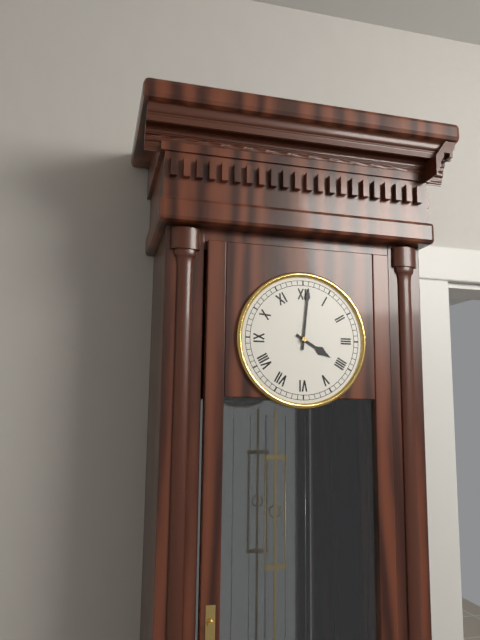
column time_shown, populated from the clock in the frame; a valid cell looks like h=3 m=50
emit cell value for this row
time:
h=4 m=1
